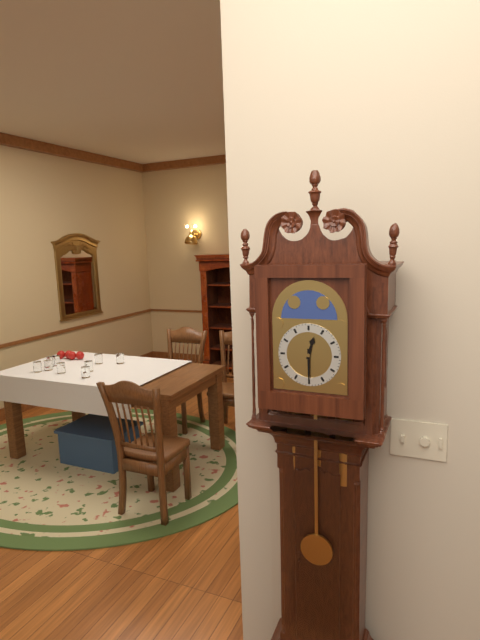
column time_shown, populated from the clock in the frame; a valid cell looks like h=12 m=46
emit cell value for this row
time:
h=12 m=30
